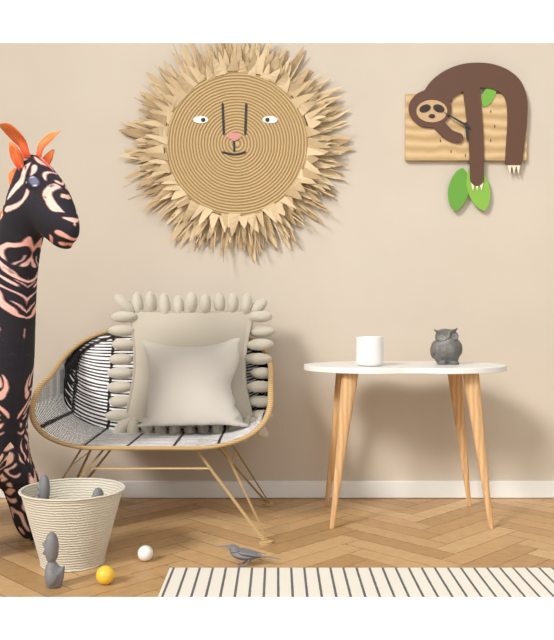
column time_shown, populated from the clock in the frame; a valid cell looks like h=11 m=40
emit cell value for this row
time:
h=5 m=50
